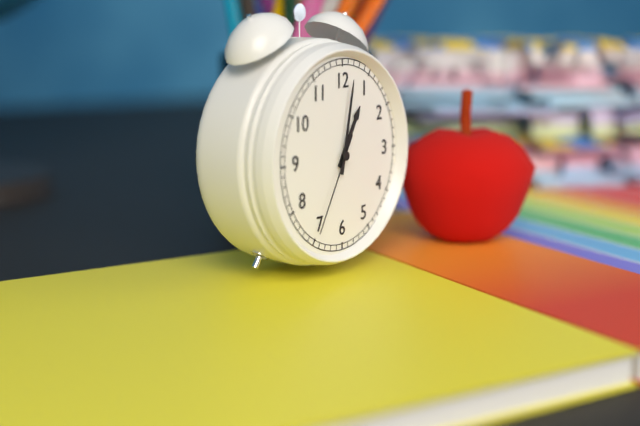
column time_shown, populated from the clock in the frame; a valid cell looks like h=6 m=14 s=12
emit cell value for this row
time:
h=1 m=2 s=35
